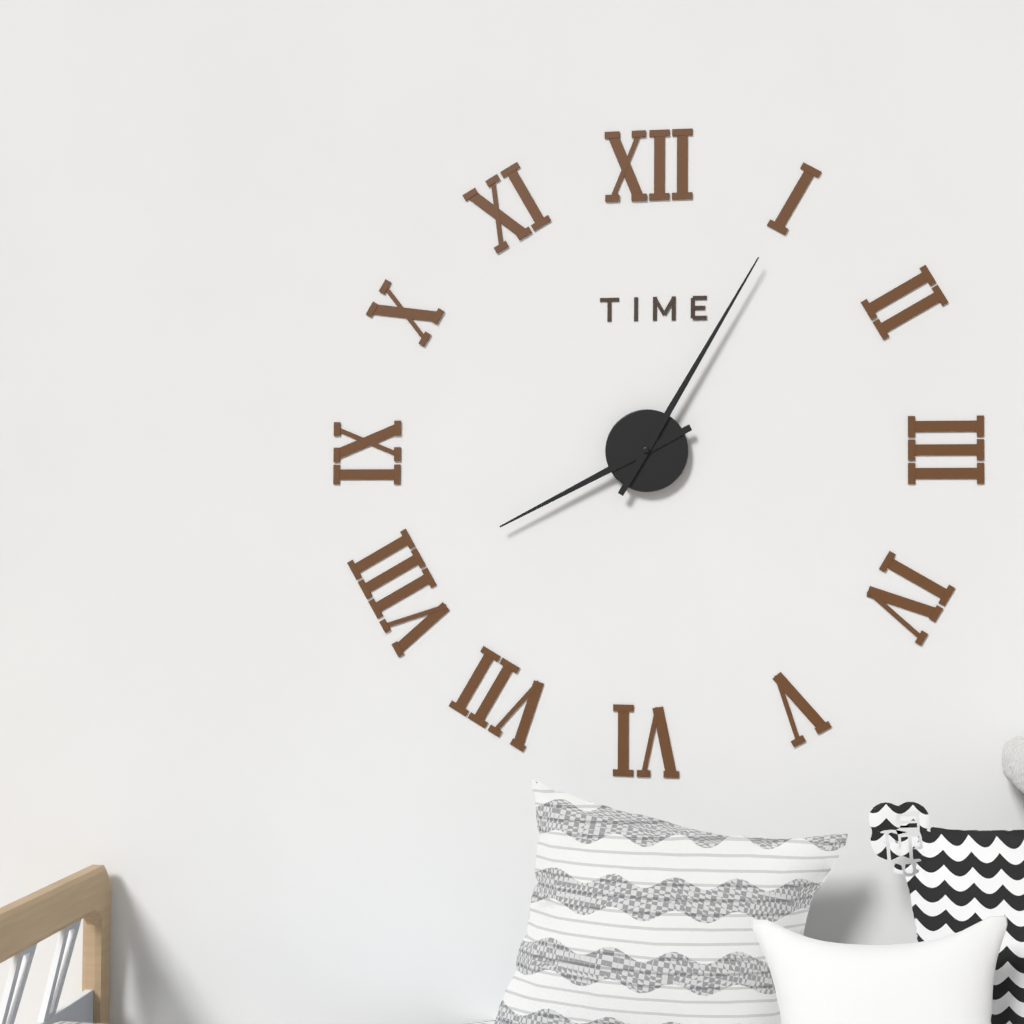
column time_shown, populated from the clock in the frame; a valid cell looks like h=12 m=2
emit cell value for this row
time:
h=8 m=5
